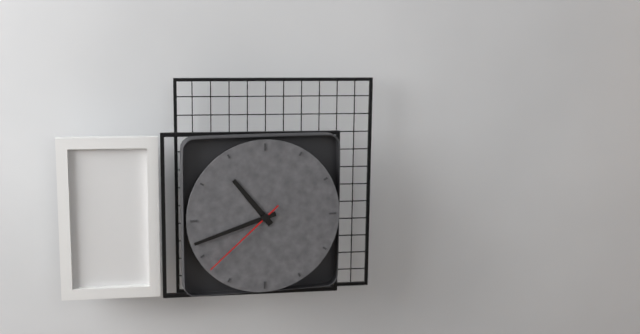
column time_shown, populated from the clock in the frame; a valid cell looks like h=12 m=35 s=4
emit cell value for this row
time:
h=10 m=42 s=38
